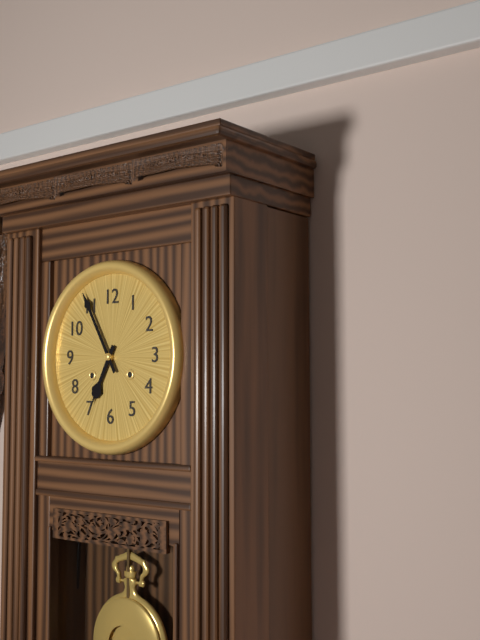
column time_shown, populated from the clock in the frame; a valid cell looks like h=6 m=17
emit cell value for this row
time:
h=6 m=55
